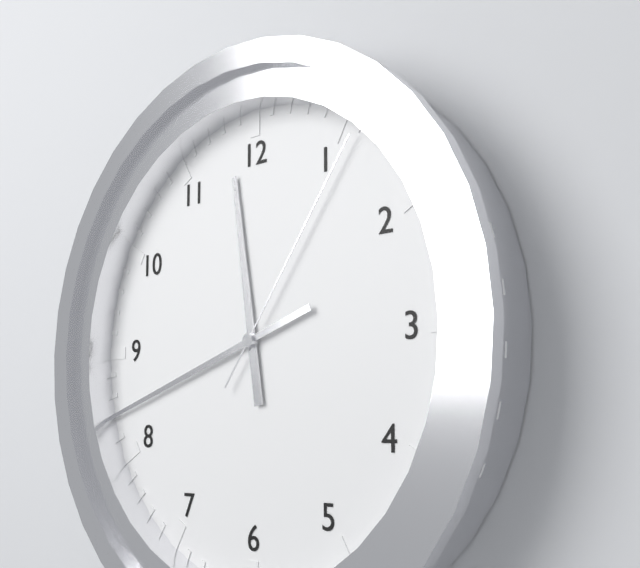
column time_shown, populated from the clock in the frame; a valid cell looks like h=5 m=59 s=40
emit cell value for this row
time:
h=11 m=42 s=6
